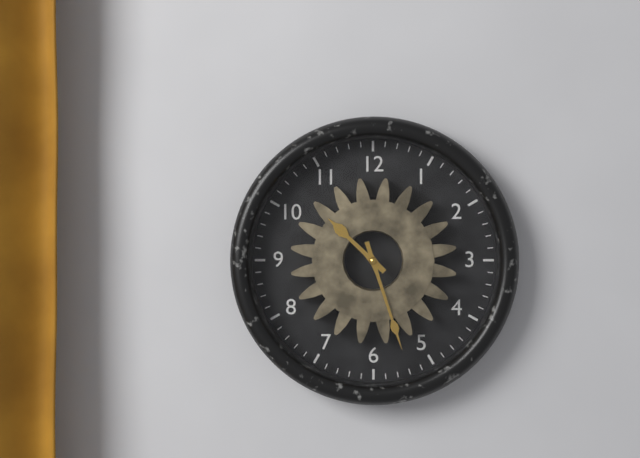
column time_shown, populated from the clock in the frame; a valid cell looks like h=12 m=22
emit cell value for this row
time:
h=10 m=27
